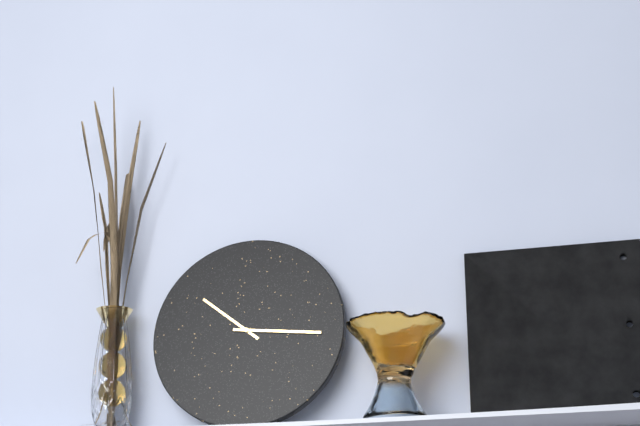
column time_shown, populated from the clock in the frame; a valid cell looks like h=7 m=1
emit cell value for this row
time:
h=10 m=16
